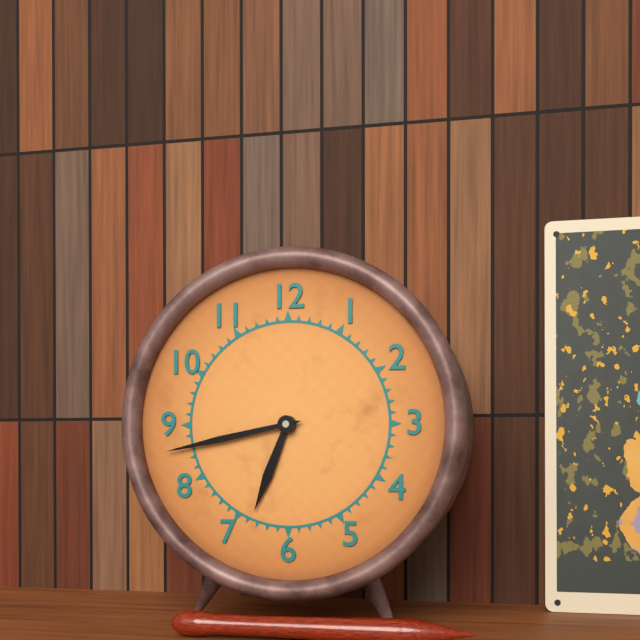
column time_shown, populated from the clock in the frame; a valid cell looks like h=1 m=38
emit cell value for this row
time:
h=6 m=43
